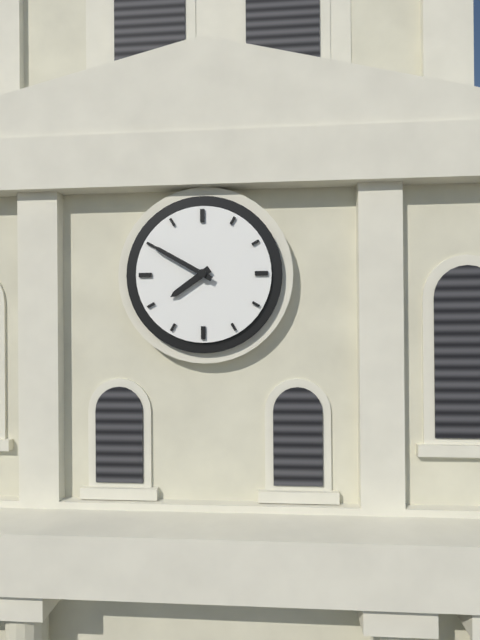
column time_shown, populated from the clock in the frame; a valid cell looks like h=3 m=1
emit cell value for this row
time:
h=7 m=50
